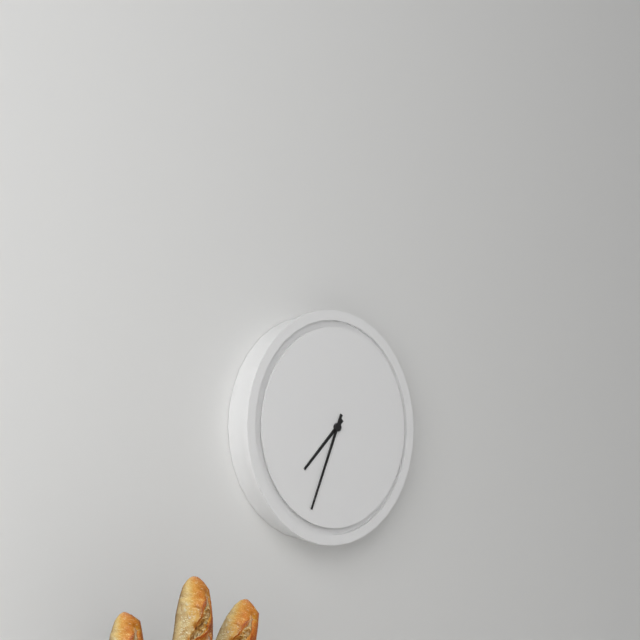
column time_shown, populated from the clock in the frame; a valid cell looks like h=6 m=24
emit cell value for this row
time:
h=7 m=34
